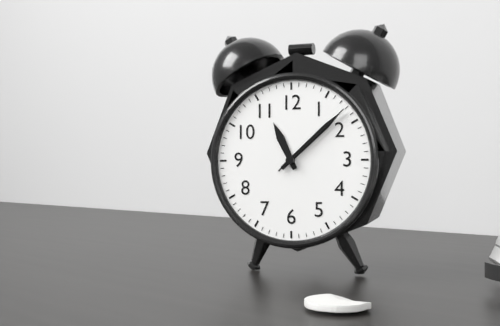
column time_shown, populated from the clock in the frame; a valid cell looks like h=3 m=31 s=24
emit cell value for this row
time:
h=11 m=8 s=8
